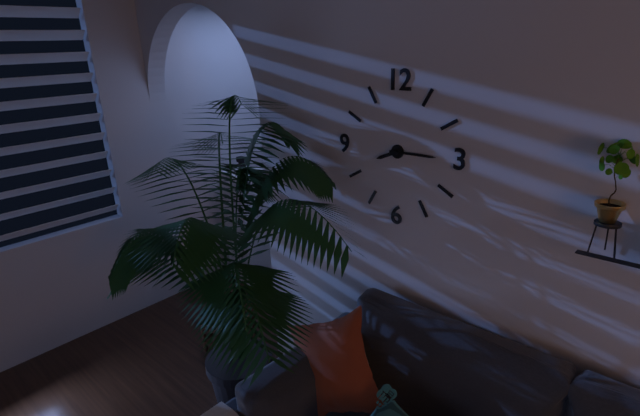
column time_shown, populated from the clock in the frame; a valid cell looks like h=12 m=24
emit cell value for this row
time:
h=8 m=15
